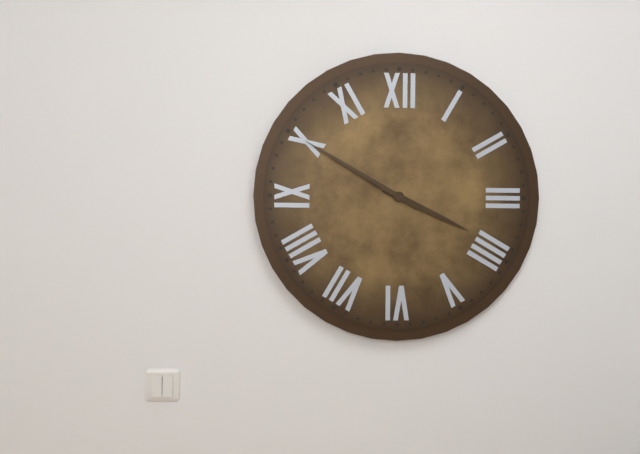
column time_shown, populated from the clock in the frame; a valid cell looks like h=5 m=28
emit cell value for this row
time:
h=3 m=50
